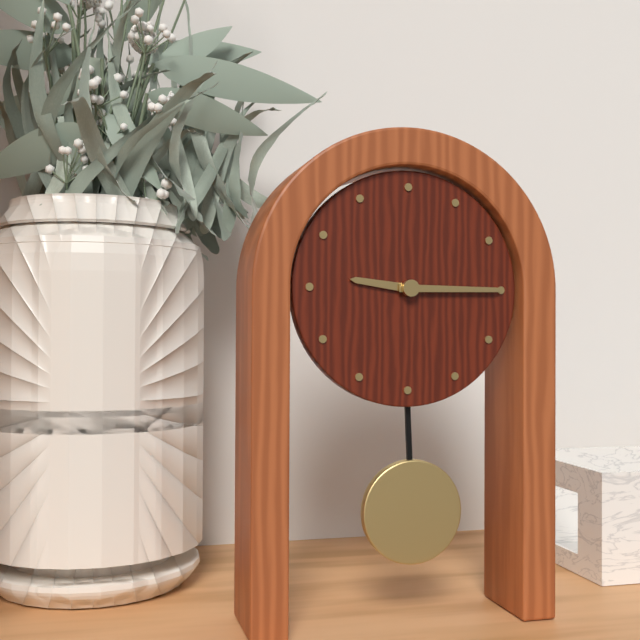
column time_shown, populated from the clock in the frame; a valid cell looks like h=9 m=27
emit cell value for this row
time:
h=9 m=15
